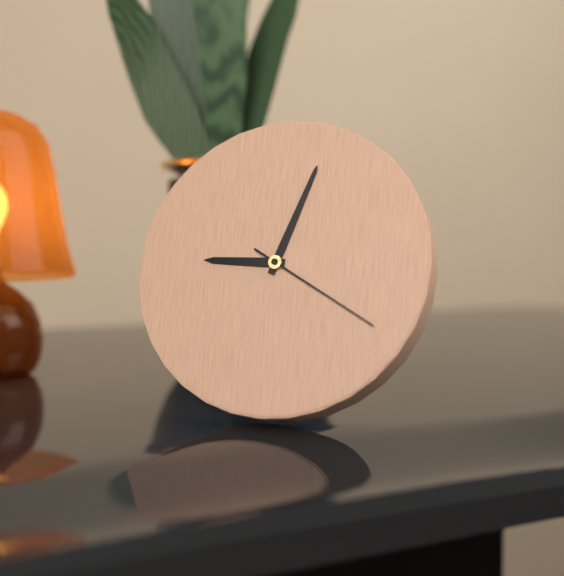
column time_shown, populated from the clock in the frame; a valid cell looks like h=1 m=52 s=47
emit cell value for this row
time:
h=9 m=3 s=20
